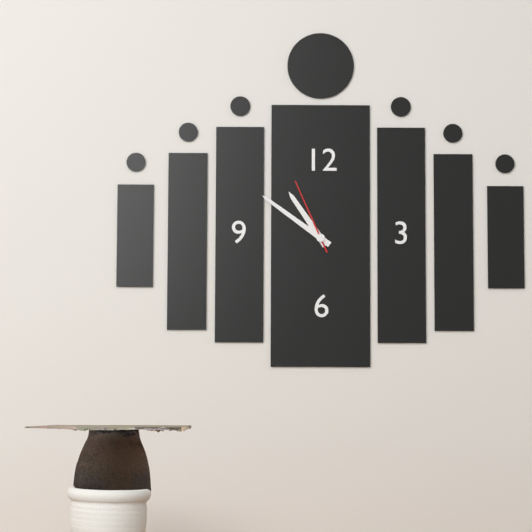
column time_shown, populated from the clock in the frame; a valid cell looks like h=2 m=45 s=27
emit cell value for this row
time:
h=10 m=51 s=56
